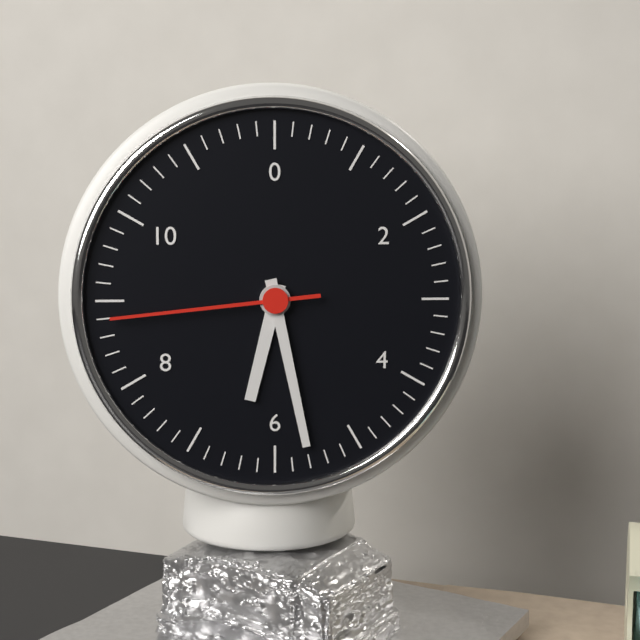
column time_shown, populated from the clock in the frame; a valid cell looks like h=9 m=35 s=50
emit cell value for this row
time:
h=6 m=28 s=44
